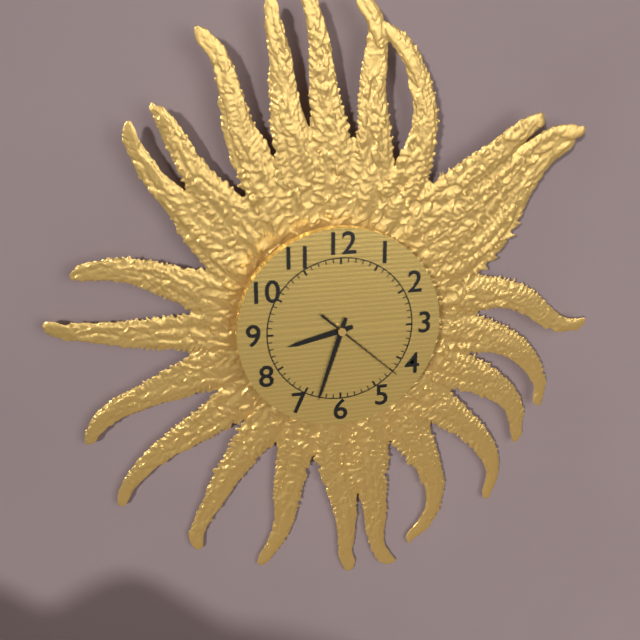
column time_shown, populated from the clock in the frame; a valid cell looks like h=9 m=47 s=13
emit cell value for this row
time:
h=8 m=33 s=22
